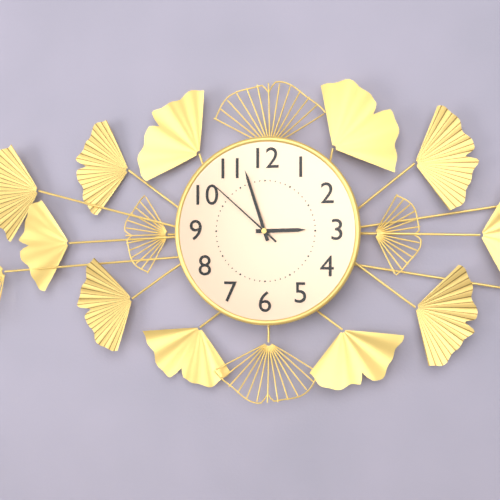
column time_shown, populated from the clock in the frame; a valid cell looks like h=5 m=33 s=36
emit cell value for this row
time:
h=2 m=57 s=52
